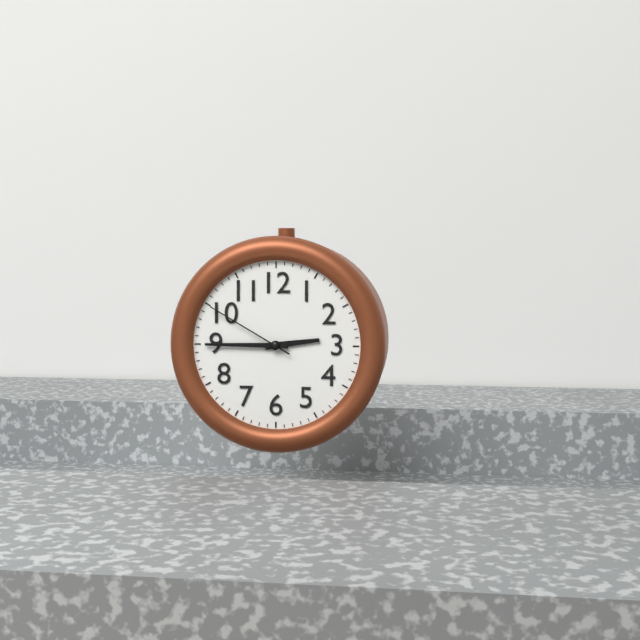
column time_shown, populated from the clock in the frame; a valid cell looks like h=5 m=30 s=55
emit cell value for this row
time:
h=2 m=45 s=50
